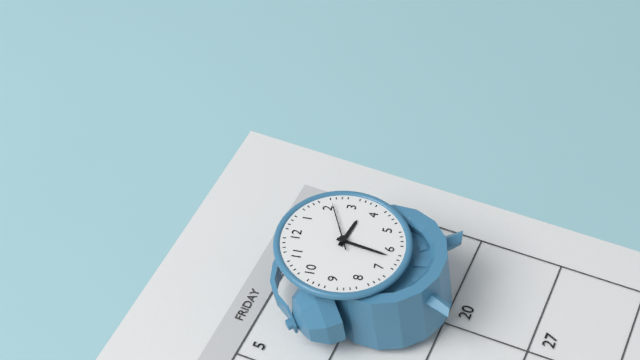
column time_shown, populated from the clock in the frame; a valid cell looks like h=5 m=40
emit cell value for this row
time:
h=3 m=32
